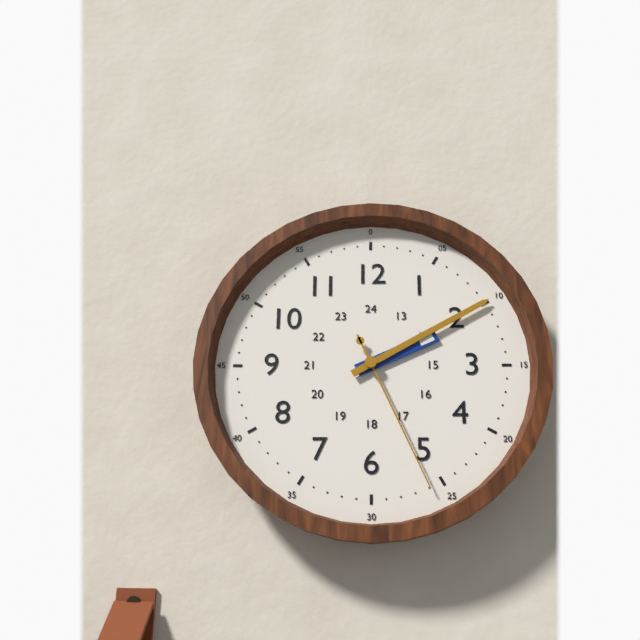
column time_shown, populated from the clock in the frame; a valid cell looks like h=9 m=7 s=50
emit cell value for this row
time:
h=2 m=10 s=26
